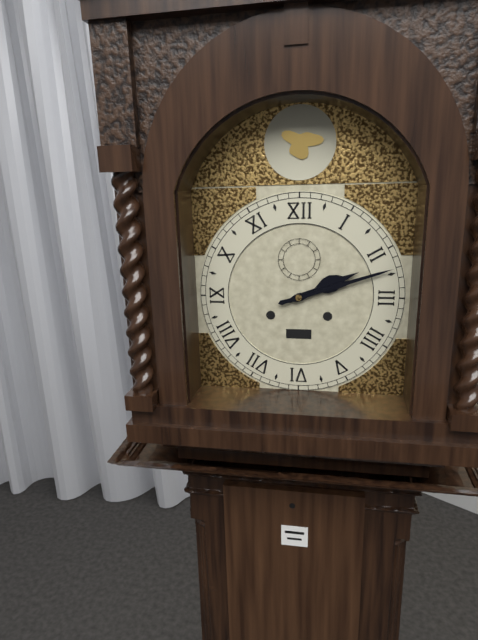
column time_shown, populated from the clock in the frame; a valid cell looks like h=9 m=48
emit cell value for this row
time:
h=2 m=12
